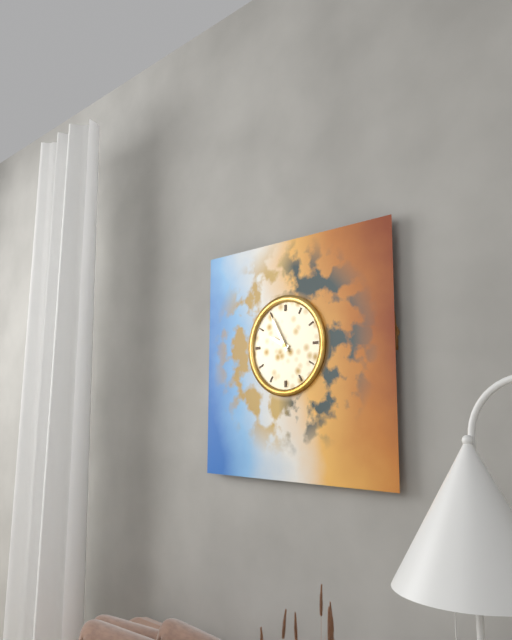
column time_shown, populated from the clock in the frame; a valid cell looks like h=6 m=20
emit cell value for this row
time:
h=9 m=55
